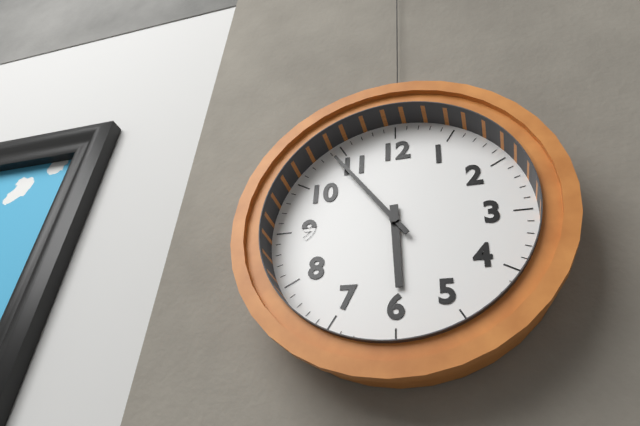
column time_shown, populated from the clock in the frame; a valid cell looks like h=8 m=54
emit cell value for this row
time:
h=5 m=54
